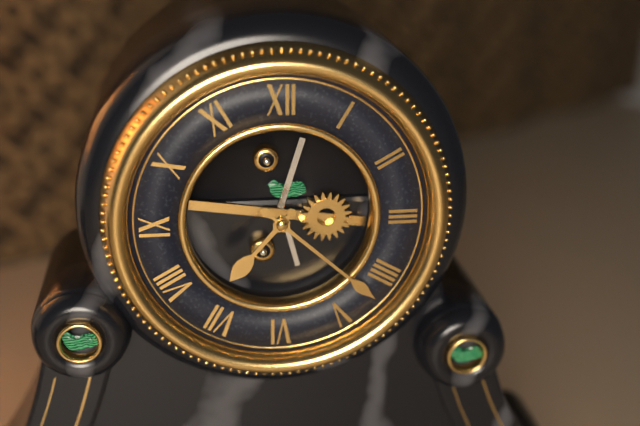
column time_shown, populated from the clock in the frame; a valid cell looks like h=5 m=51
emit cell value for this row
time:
h=7 m=22
